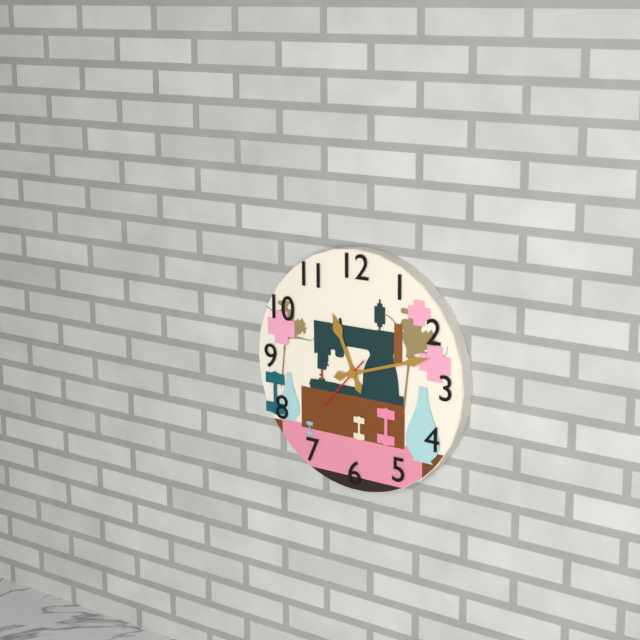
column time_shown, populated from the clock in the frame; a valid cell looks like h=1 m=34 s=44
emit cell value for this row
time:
h=11 m=12 s=37
